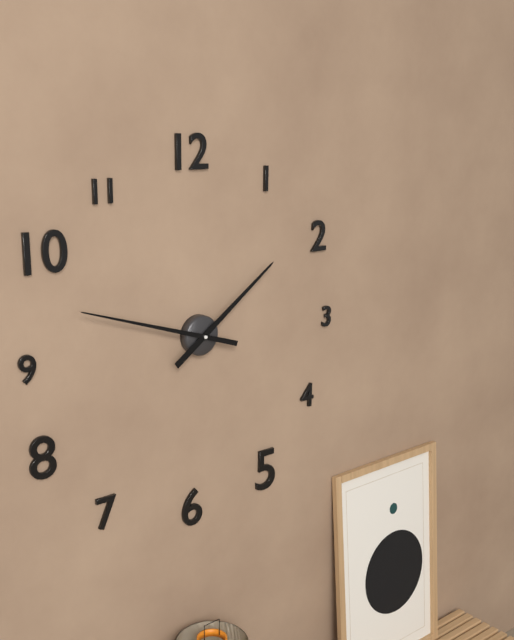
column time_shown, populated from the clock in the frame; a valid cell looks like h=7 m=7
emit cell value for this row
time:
h=1 m=48
